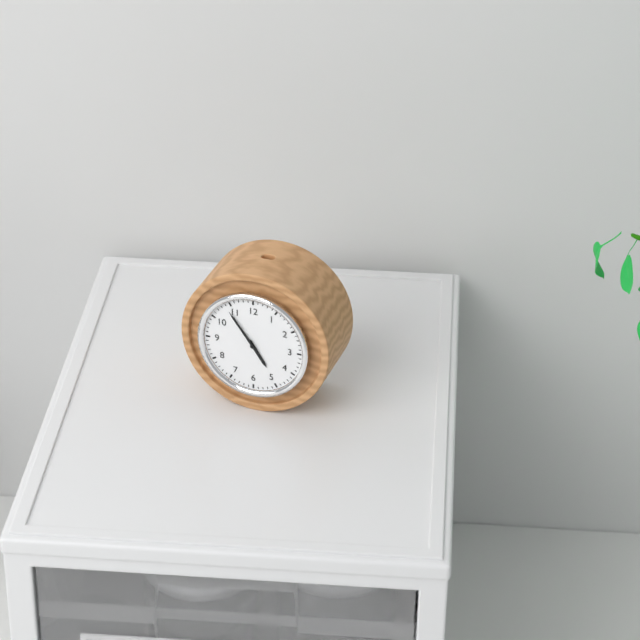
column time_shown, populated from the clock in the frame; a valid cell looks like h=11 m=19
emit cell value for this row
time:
h=4 m=54
